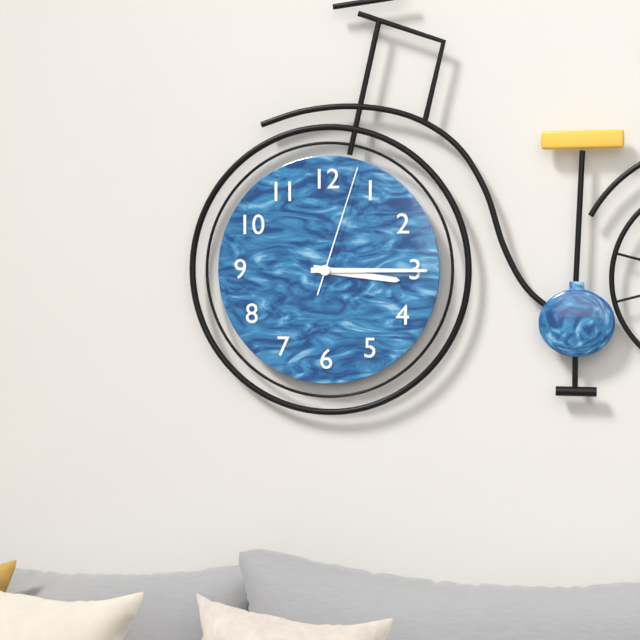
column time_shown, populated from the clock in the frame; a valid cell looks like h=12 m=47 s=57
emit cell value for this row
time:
h=3 m=15 s=3
